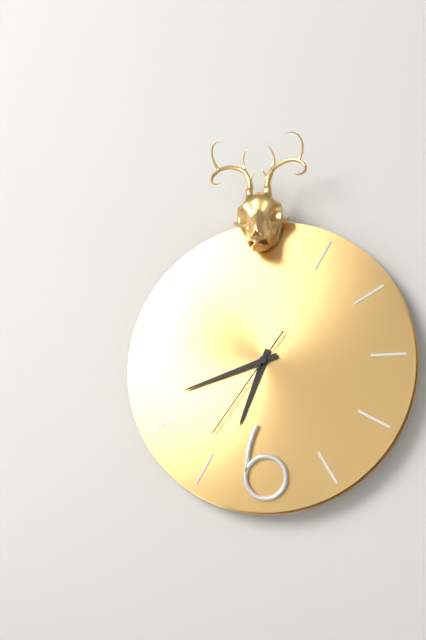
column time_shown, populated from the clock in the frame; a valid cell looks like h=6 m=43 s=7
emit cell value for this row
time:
h=6 m=42 s=36
